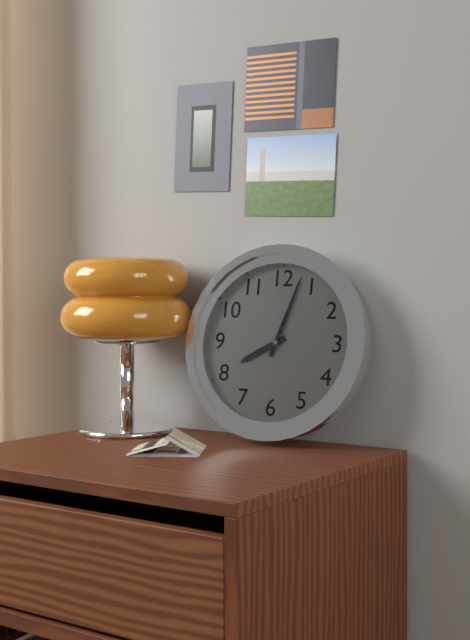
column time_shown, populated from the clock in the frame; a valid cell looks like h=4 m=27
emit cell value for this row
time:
h=8 m=3
